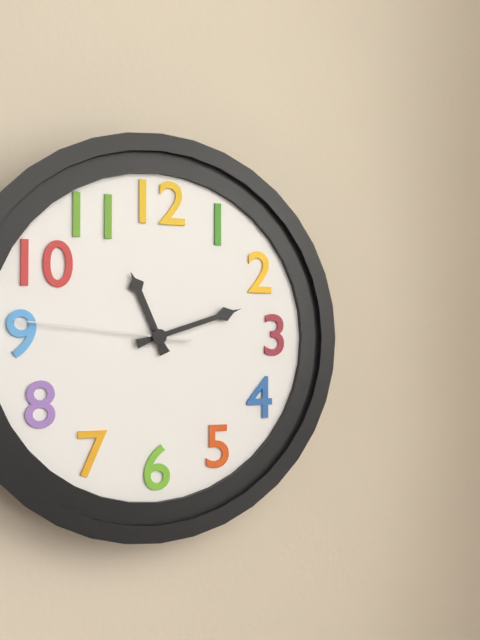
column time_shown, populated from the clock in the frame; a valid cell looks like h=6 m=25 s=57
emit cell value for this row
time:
h=11 m=12 s=46
